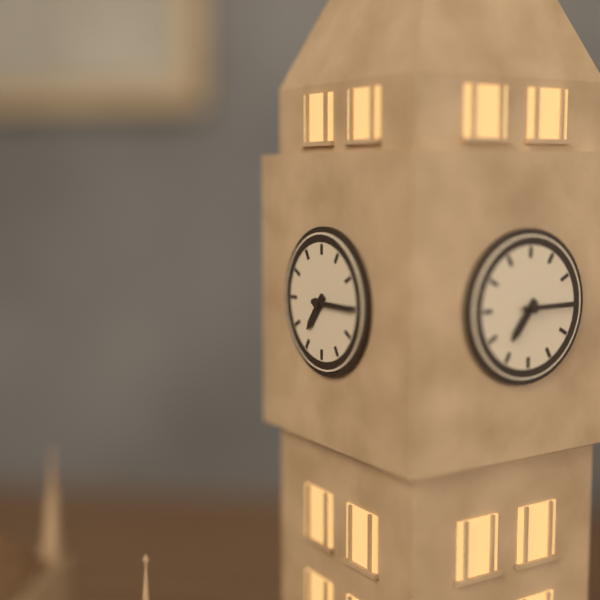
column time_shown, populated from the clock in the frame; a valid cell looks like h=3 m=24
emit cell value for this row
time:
h=7 m=15
